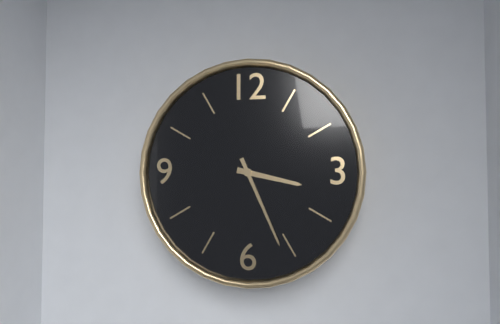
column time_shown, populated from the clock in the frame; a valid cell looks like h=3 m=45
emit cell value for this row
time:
h=3 m=26
